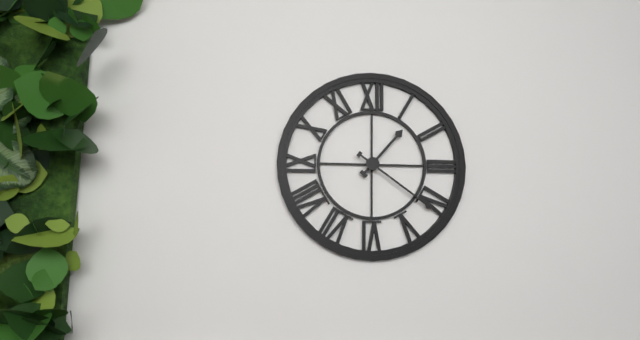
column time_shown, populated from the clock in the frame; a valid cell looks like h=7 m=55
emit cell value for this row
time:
h=1 m=21
